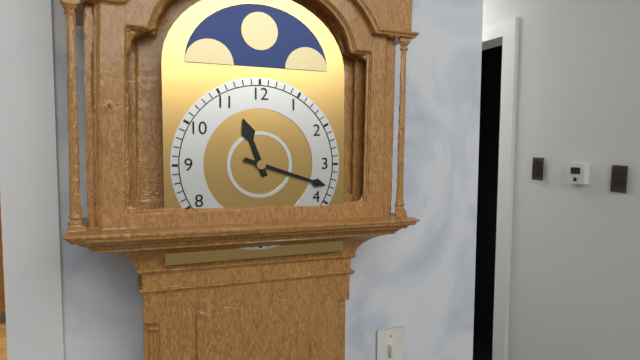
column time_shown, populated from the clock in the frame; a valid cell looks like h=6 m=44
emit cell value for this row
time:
h=11 m=18
